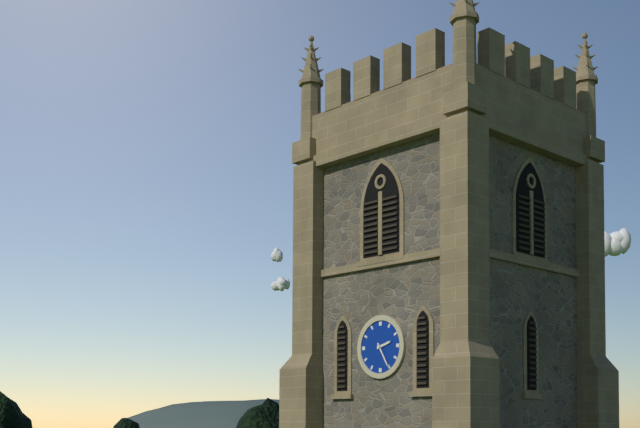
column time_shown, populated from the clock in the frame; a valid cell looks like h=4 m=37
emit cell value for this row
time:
h=2 m=25
